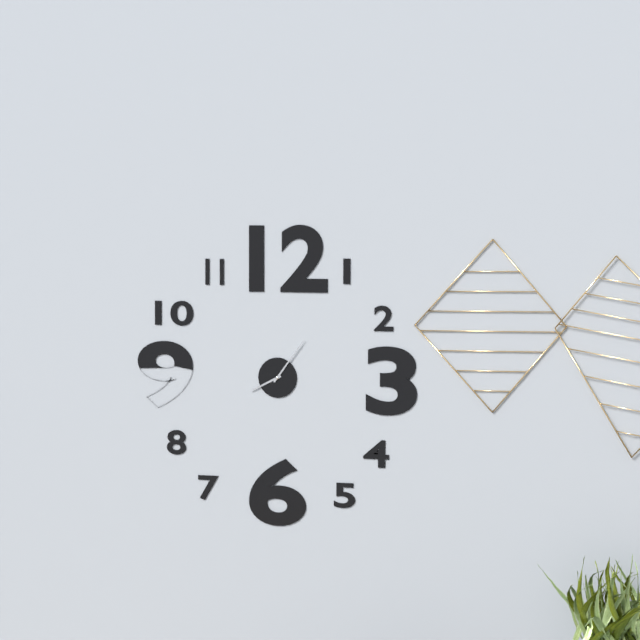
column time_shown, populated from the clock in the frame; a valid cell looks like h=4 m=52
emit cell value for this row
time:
h=8 m=6
